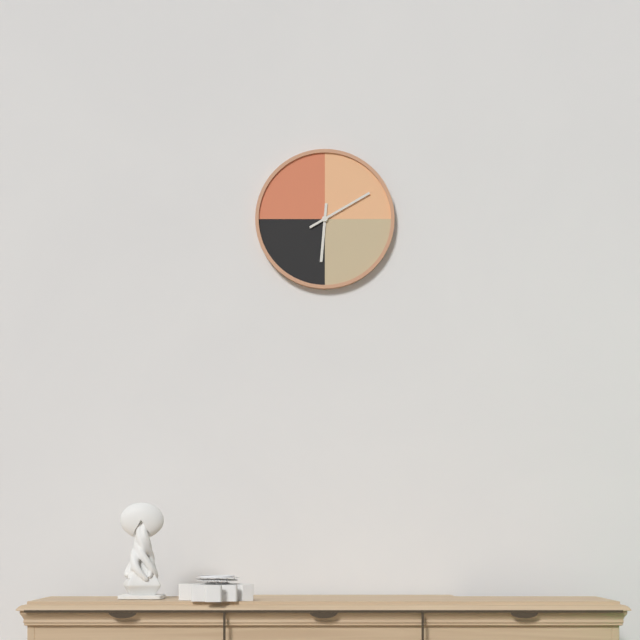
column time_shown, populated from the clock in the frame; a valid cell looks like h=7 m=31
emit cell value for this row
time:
h=6 m=10
